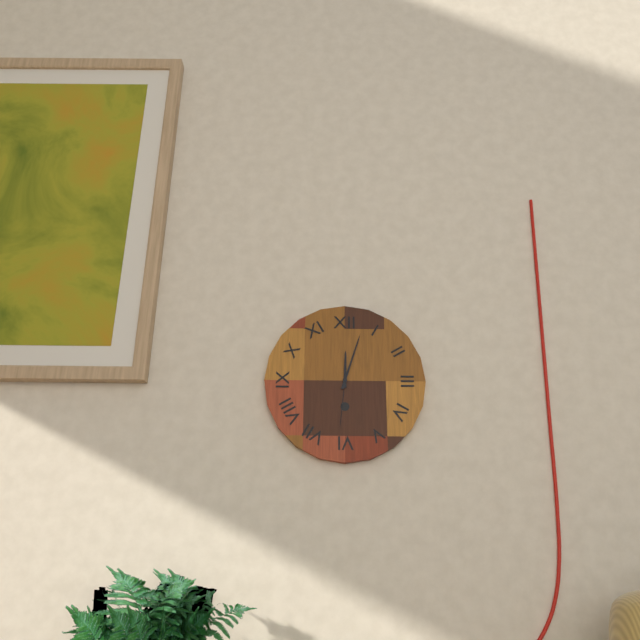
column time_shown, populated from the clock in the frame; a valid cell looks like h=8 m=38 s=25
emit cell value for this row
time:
h=12 m=3 s=31
